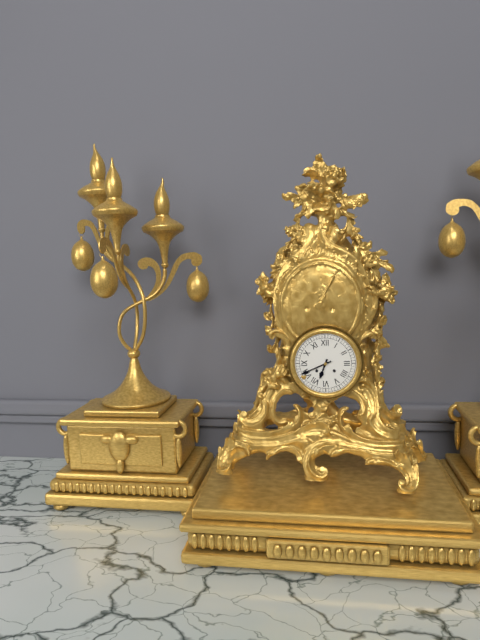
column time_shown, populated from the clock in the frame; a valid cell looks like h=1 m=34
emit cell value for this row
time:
h=6 m=41
